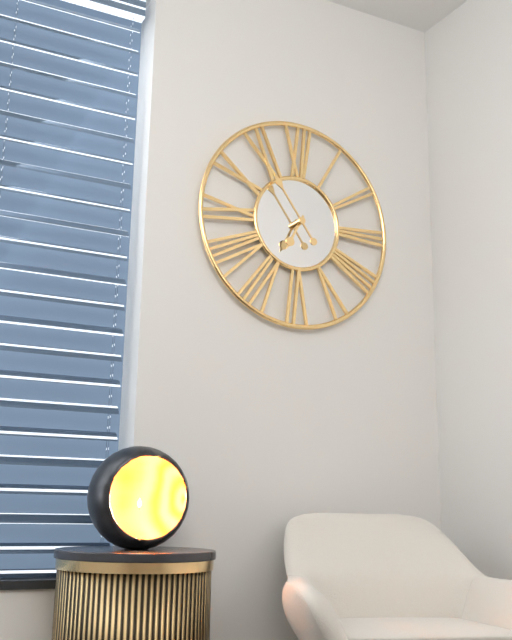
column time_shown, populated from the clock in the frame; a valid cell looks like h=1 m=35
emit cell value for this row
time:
h=6 m=54
